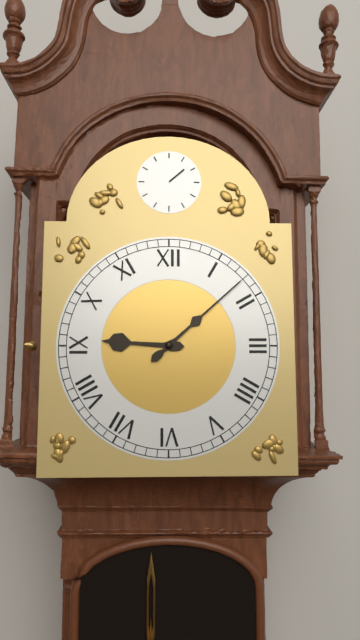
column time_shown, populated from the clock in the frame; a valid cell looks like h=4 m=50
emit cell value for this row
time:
h=9 m=8
